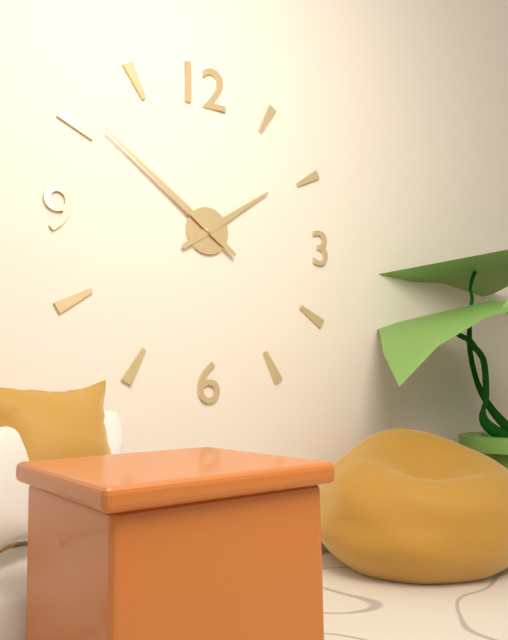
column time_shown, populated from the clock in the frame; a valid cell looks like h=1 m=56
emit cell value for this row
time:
h=1 m=51
